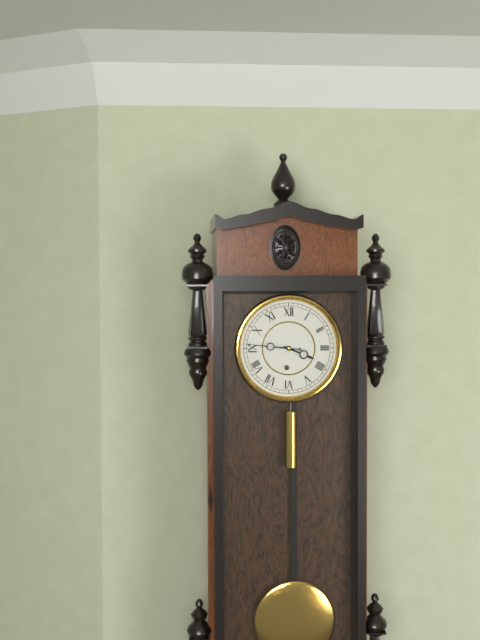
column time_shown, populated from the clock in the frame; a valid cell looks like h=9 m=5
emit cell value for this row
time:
h=3 m=46
